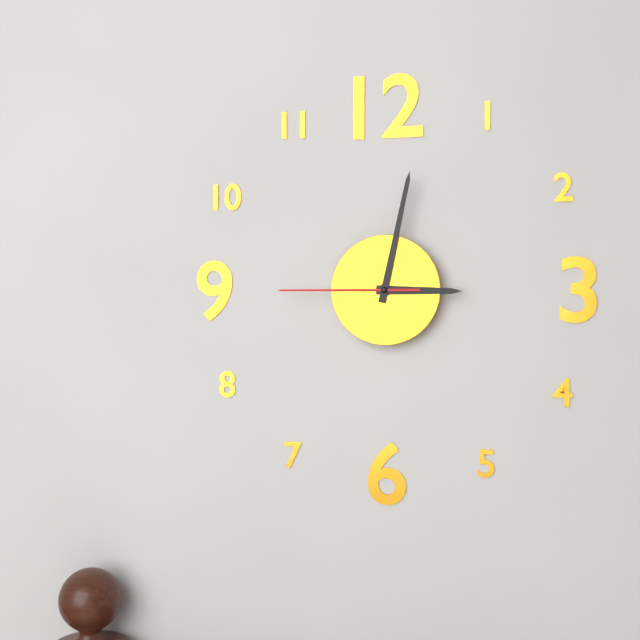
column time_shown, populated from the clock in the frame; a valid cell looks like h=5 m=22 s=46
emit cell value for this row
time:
h=3 m=2 s=45
